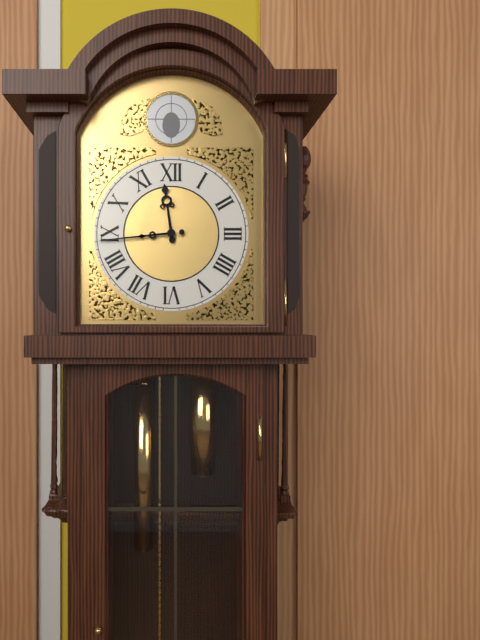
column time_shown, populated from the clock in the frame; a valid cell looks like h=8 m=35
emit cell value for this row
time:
h=11 m=44
